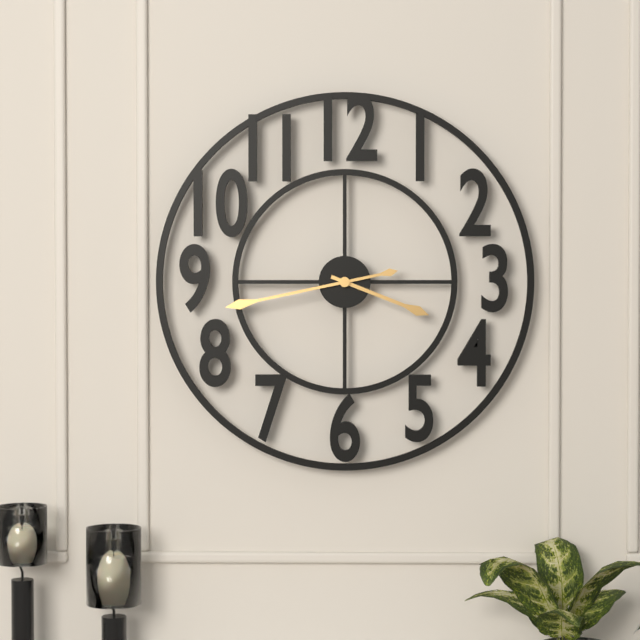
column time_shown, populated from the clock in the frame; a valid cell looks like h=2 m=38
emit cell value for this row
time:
h=3 m=43
